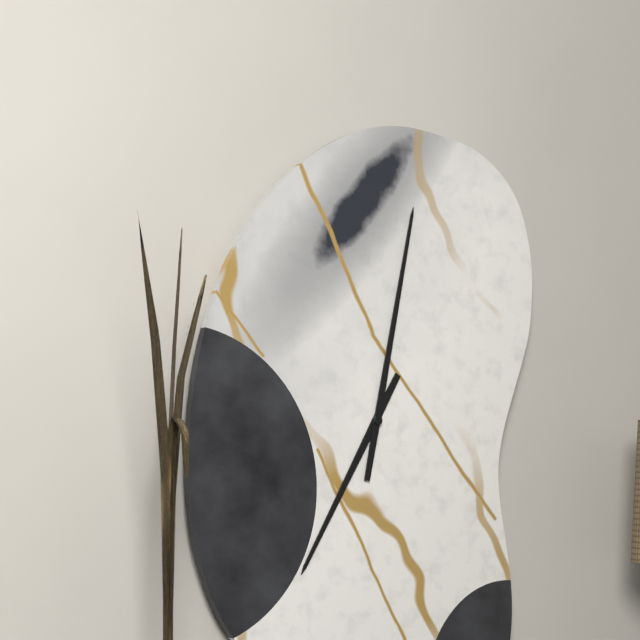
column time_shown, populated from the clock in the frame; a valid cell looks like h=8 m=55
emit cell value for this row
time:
h=7 m=2
